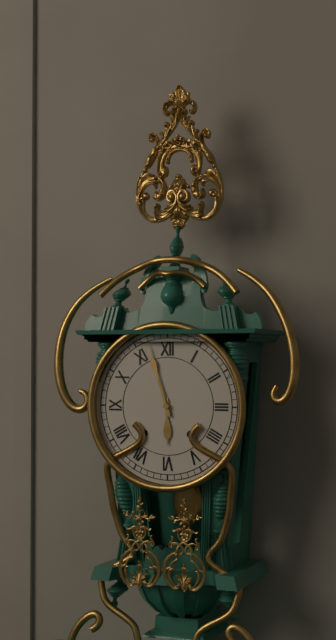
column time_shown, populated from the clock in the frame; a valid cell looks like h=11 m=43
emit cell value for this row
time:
h=5 m=57
